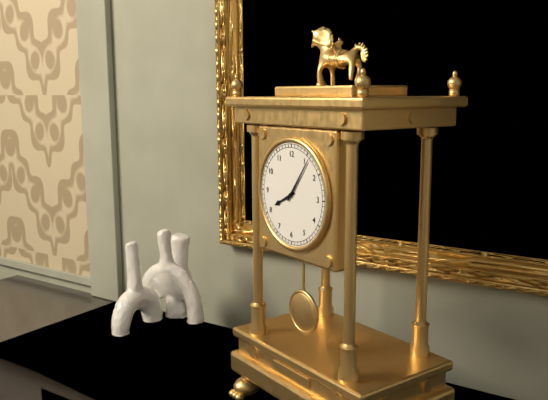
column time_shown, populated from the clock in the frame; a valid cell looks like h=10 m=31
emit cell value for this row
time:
h=8 m=6
